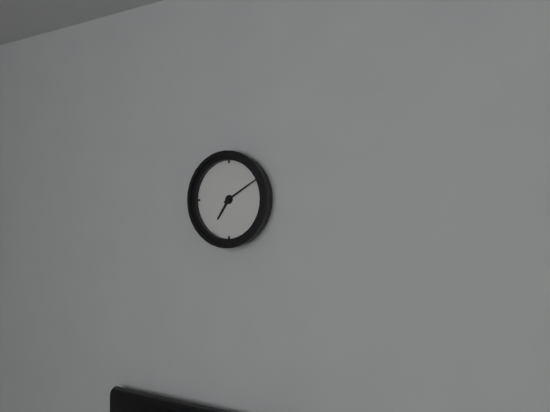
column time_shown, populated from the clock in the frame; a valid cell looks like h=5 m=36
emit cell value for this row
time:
h=7 m=10
